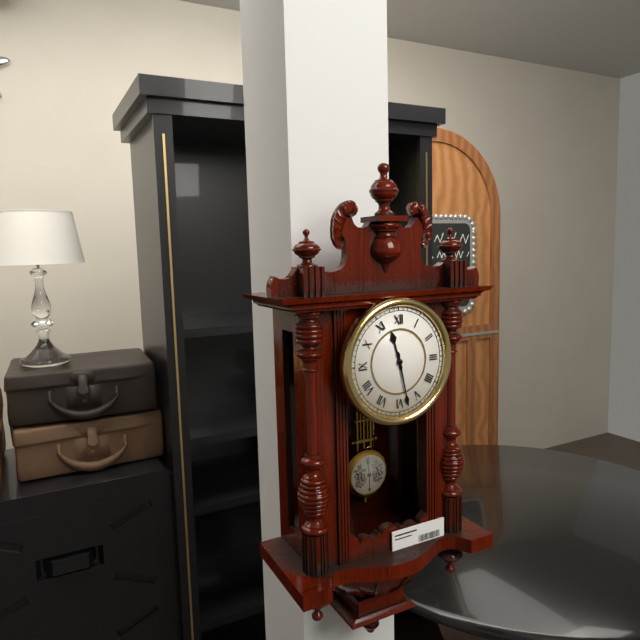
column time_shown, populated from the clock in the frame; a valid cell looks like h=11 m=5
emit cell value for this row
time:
h=11 m=28
